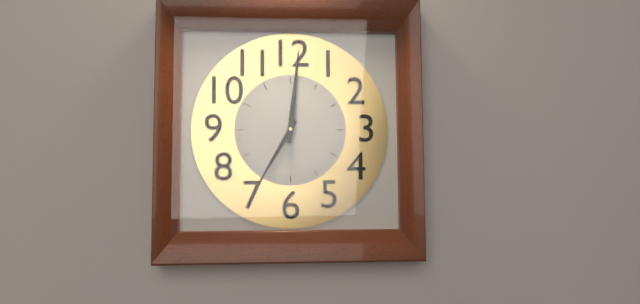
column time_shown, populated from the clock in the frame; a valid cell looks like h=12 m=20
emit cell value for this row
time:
h=7 m=1
